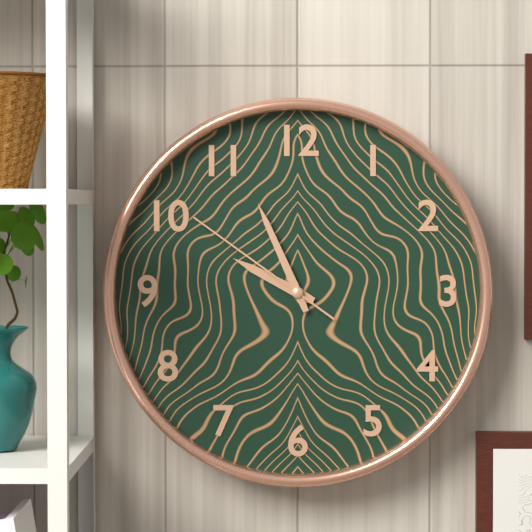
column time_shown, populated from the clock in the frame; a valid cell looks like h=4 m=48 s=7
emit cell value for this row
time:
h=9 m=56 s=51
